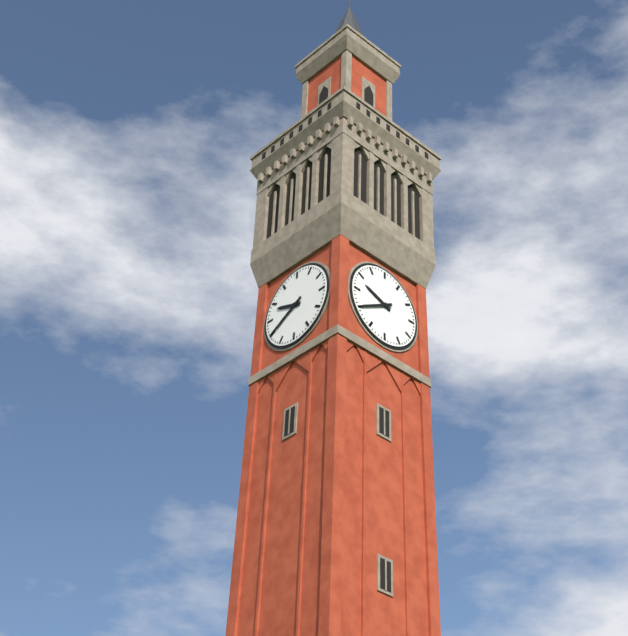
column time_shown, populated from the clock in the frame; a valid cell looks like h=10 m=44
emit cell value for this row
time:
h=9 m=40
